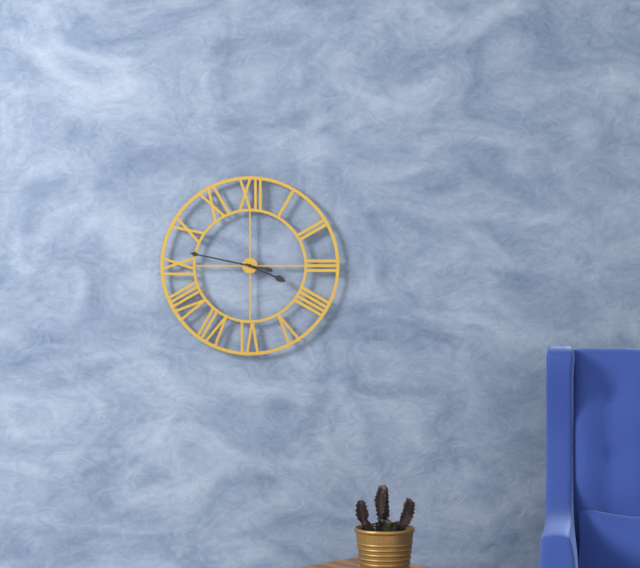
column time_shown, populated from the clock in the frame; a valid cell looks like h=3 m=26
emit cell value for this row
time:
h=3 m=47
